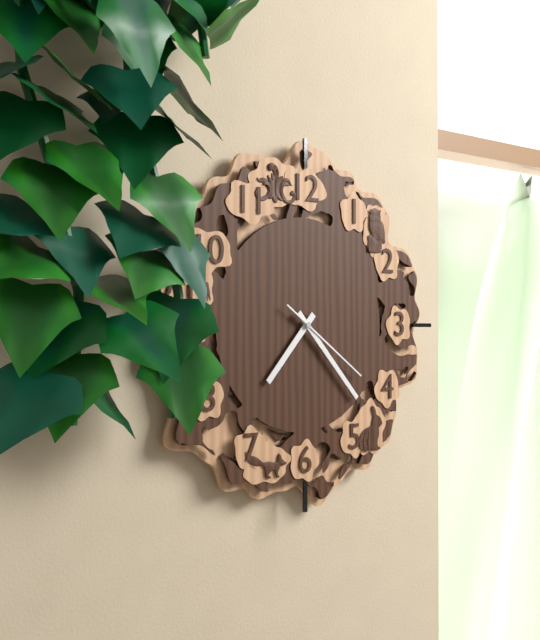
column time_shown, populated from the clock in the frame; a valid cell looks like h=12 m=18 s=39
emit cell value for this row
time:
h=7 m=23 s=21
